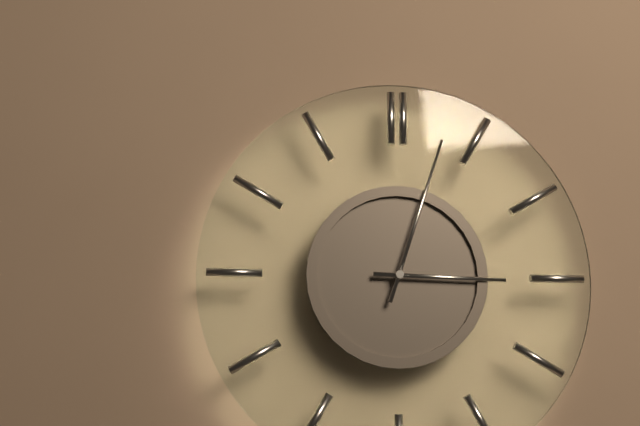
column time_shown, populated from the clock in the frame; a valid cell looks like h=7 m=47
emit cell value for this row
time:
h=3 m=3
